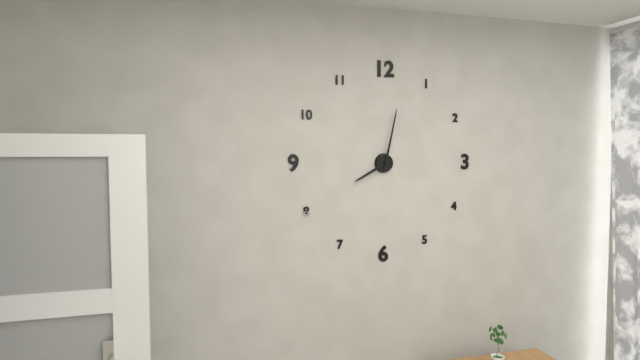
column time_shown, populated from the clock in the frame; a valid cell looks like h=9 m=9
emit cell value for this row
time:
h=8 m=2
